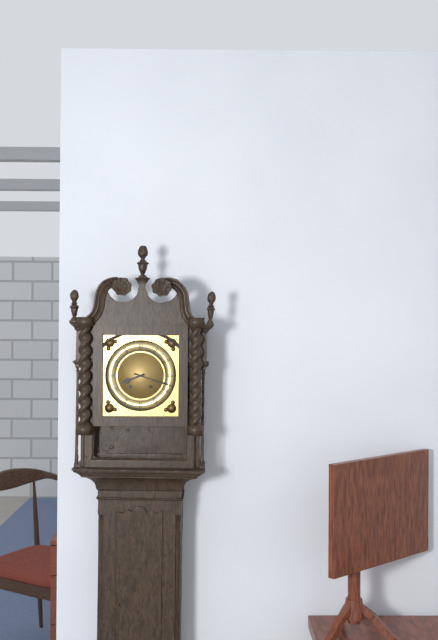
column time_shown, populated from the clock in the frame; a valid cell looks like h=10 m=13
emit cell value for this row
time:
h=8 m=18
